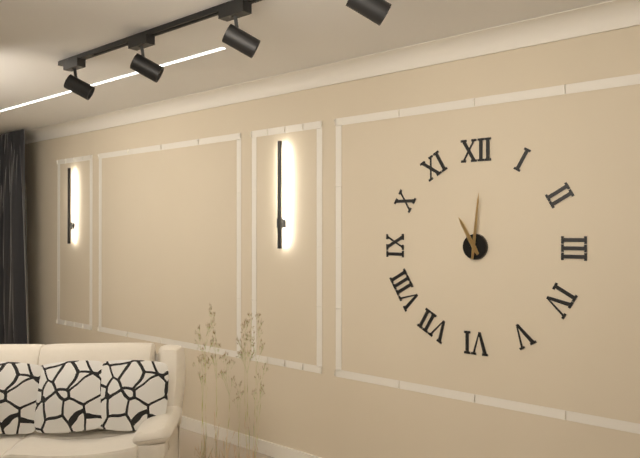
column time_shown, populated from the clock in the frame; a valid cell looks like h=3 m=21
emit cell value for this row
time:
h=11 m=1
